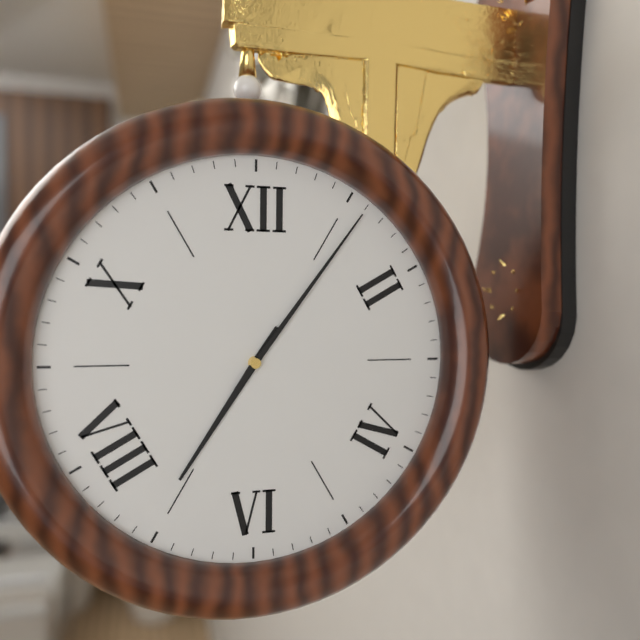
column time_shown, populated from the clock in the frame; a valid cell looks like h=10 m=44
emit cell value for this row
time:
h=7 m=6
